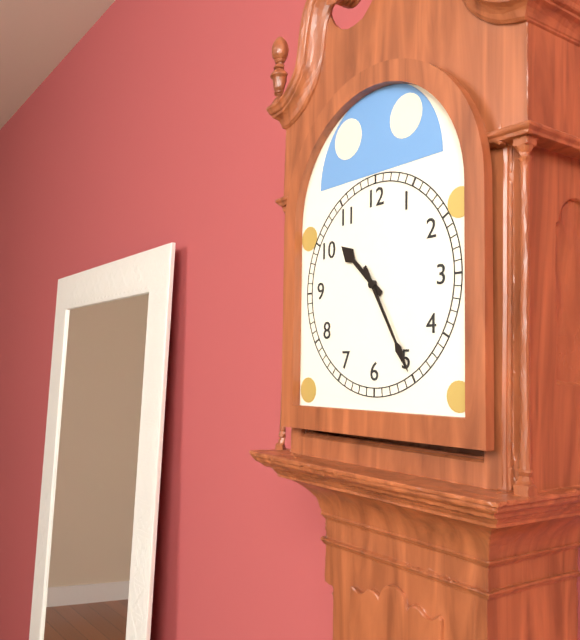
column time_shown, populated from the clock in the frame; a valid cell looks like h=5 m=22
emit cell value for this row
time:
h=10 m=25
